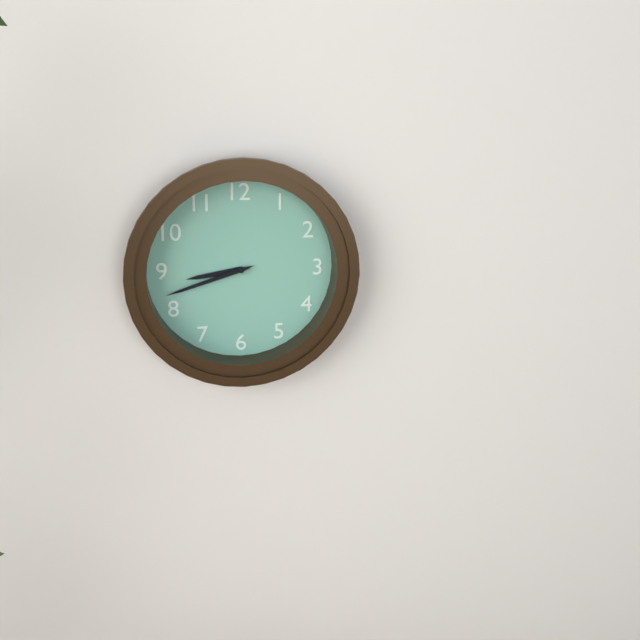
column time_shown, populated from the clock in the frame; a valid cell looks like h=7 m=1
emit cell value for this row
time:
h=8 m=42
